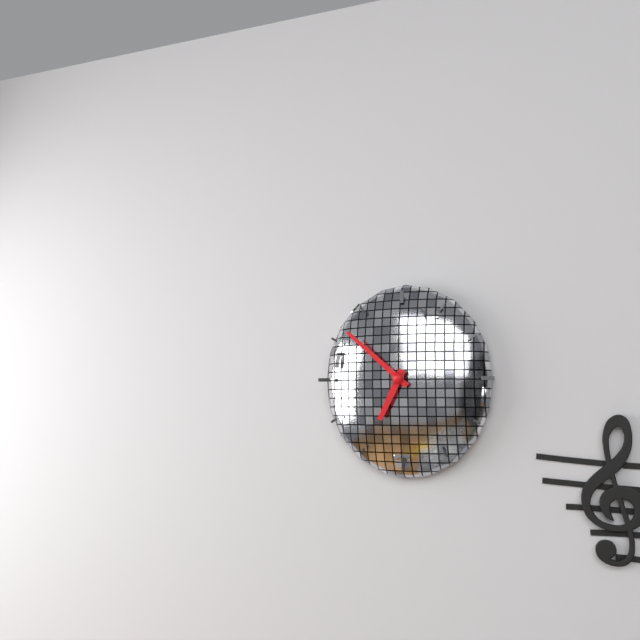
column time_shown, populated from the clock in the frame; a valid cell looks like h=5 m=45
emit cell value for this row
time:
h=6 m=52
